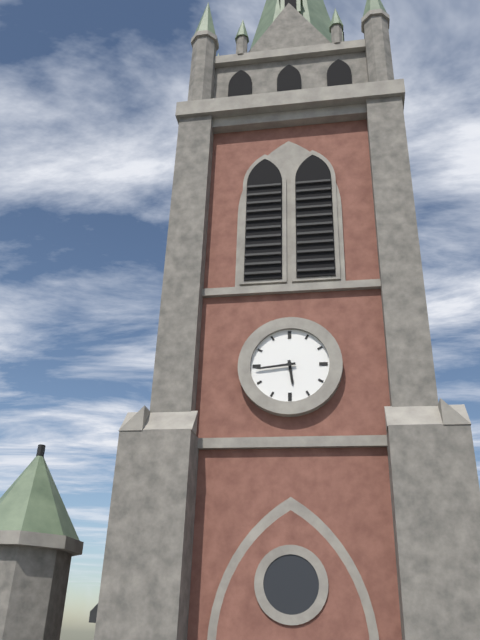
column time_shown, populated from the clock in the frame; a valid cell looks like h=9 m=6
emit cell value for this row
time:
h=5 m=44
